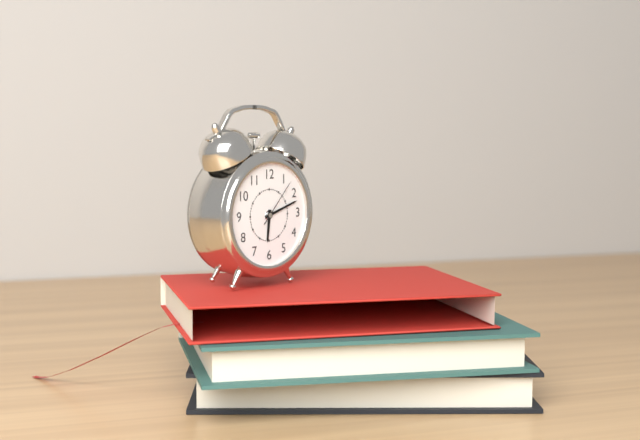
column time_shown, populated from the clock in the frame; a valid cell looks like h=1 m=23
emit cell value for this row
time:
h=6 m=12
